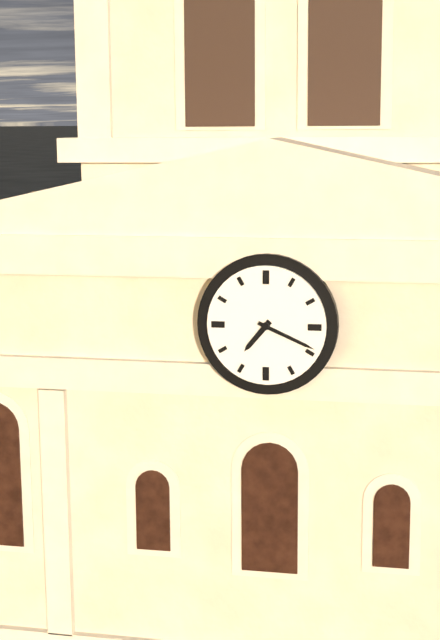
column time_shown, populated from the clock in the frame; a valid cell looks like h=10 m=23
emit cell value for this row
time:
h=7 m=19
